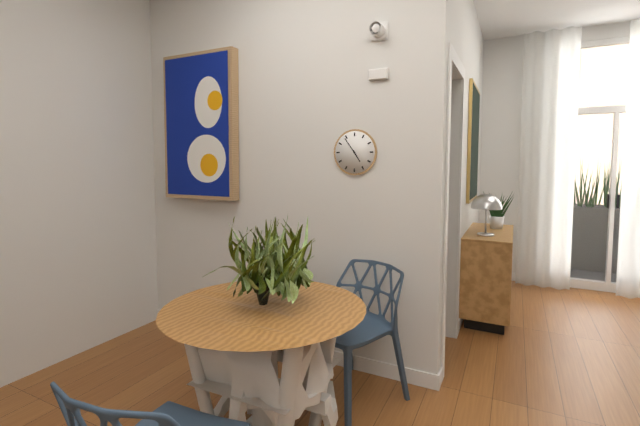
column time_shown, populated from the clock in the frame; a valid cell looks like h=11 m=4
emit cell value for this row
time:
h=4 m=54
